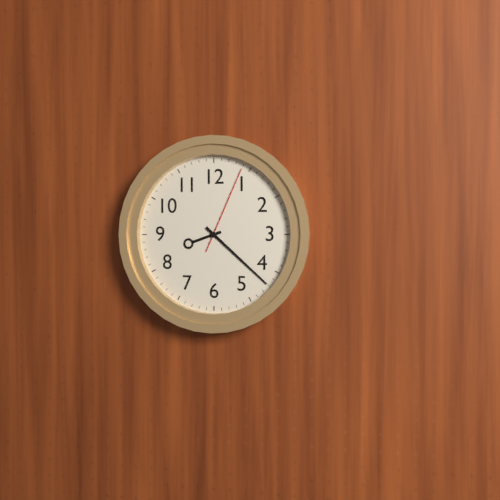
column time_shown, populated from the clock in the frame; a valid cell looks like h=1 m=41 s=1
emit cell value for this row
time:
h=8 m=22 s=4
